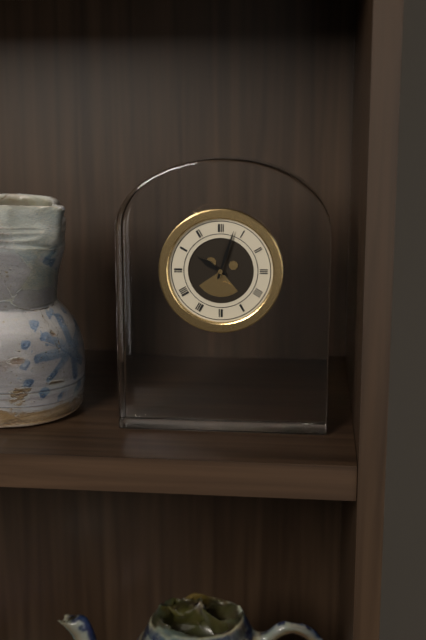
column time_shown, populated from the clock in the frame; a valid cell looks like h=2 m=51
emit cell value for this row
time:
h=10 m=3
